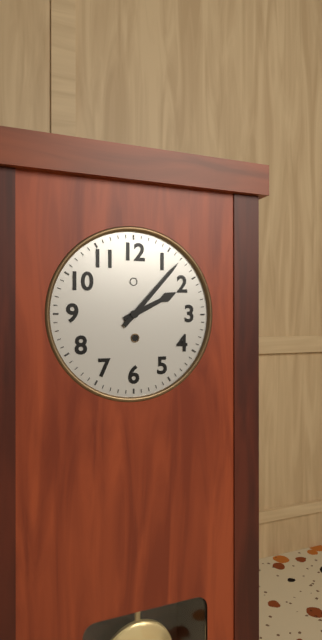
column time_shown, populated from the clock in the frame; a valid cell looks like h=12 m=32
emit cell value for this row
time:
h=2 m=7
